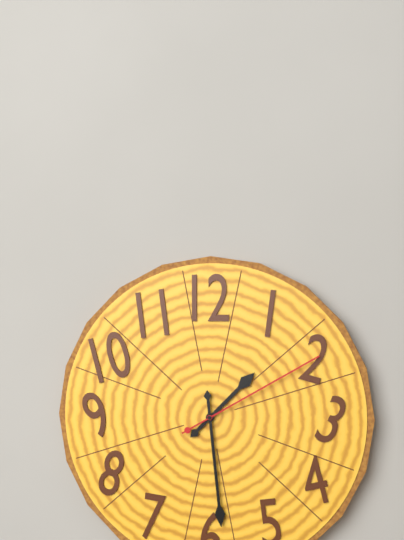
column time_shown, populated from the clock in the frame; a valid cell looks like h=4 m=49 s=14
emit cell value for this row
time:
h=1 m=29 s=10
